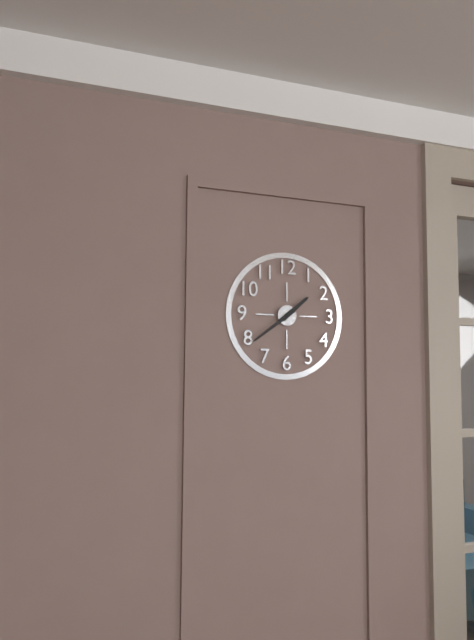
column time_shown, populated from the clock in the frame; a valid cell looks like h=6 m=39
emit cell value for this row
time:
h=1 m=39
